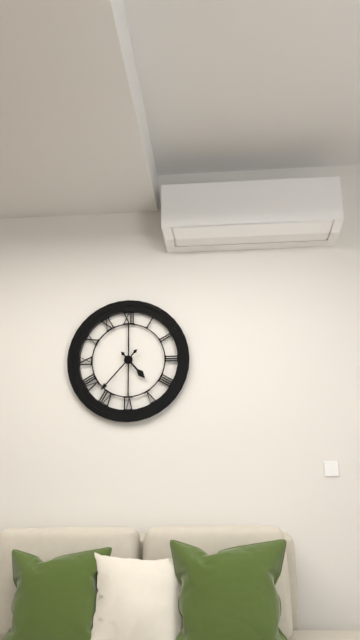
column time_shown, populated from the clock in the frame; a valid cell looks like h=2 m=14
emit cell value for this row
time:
h=4 m=37
